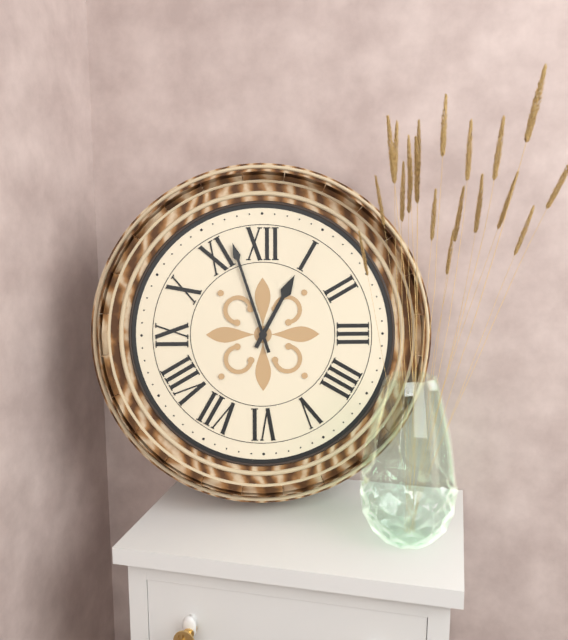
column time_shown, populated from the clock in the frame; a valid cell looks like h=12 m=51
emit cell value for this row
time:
h=12 m=57
